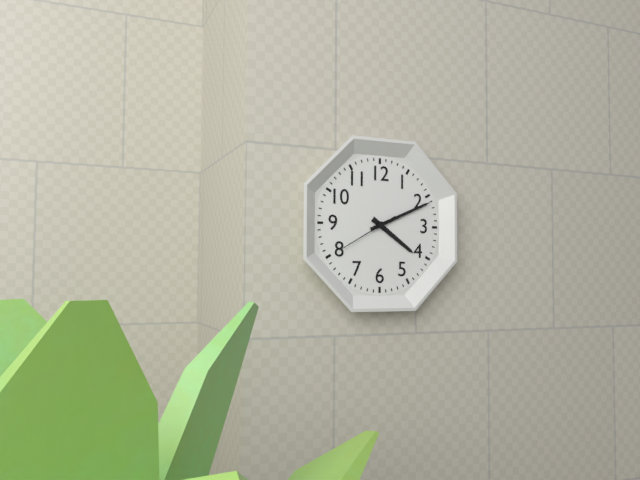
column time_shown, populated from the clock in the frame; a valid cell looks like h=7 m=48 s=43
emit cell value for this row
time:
h=4 m=11 s=40
